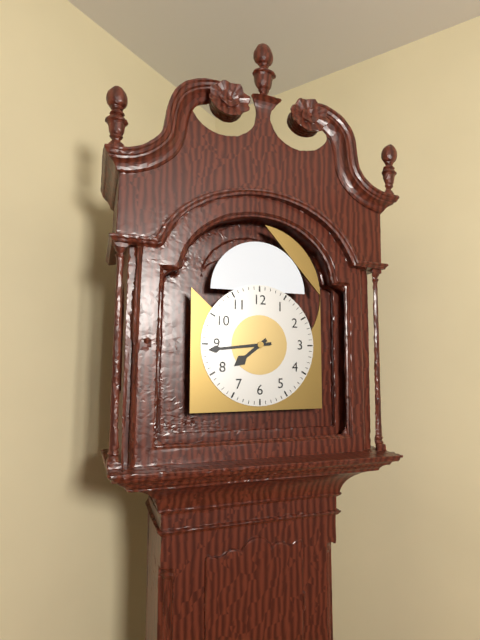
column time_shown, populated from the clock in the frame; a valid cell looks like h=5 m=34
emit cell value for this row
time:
h=7 m=44
